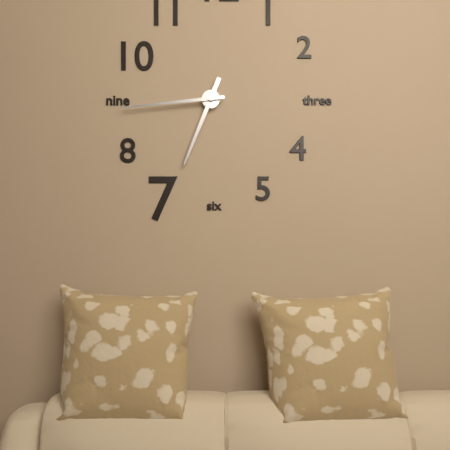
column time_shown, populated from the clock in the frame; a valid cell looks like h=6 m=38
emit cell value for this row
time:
h=6 m=44
